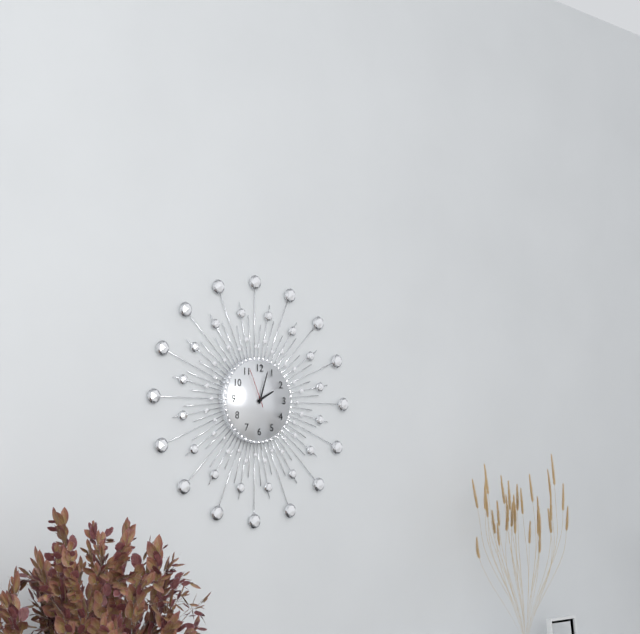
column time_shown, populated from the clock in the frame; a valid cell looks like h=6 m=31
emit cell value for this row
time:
h=2 m=3
